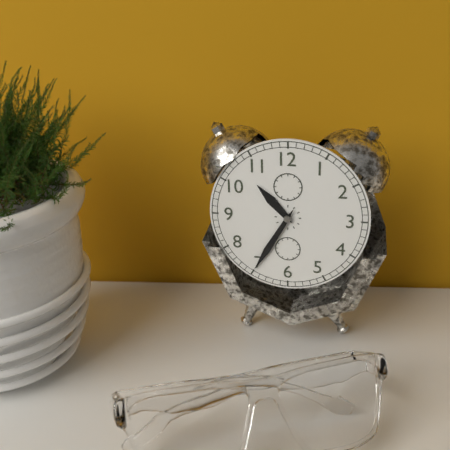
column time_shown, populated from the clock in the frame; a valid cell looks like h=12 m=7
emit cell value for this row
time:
h=10 m=35
